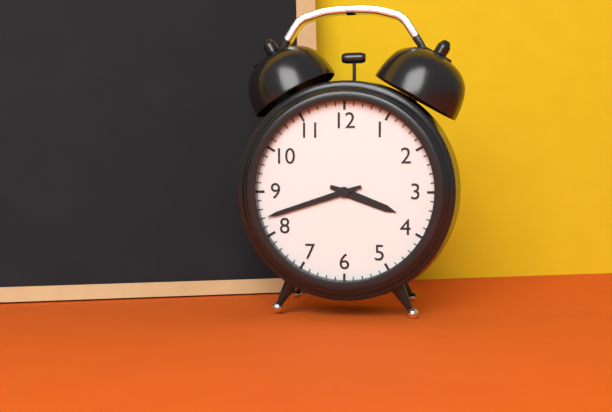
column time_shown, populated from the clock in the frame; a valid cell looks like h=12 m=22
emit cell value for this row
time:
h=3 m=42
